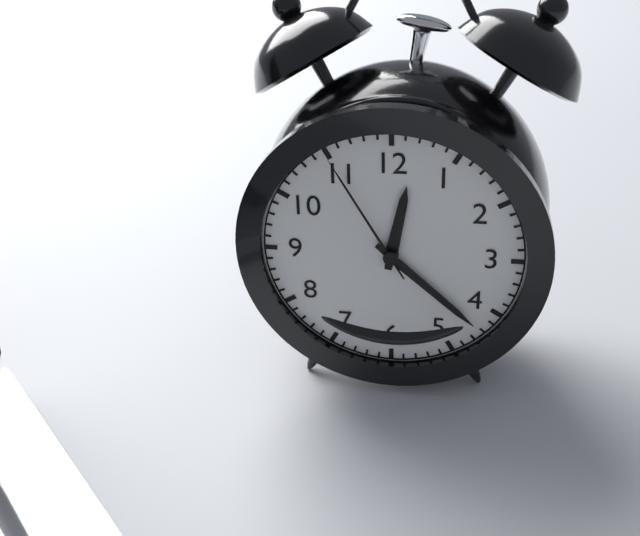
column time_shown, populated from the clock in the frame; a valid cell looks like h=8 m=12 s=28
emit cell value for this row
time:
h=12 m=22 s=55
